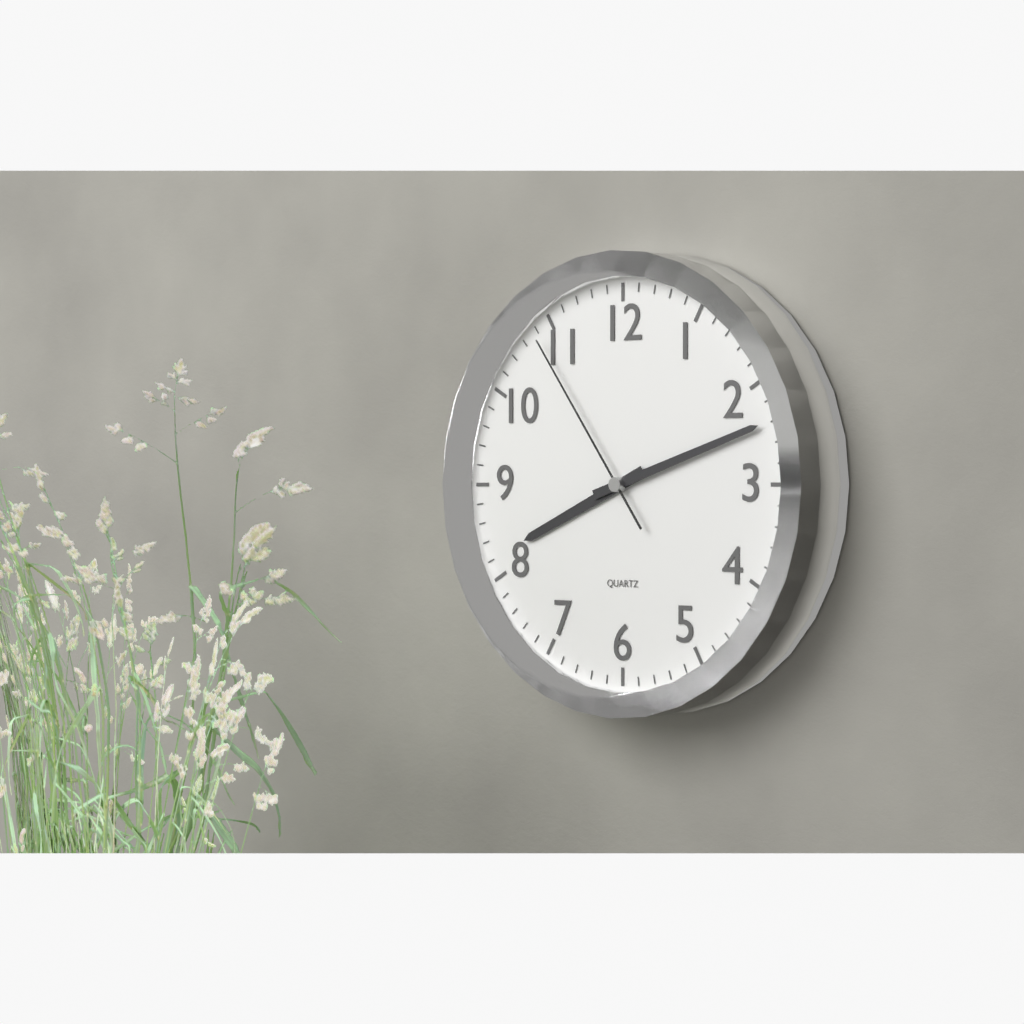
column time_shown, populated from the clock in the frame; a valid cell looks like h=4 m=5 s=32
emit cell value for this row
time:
h=8 m=12 s=54
